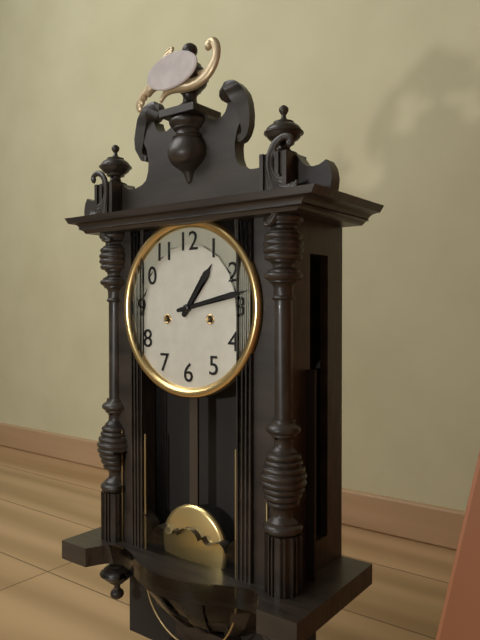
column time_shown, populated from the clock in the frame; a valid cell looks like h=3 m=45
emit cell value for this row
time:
h=1 m=13
